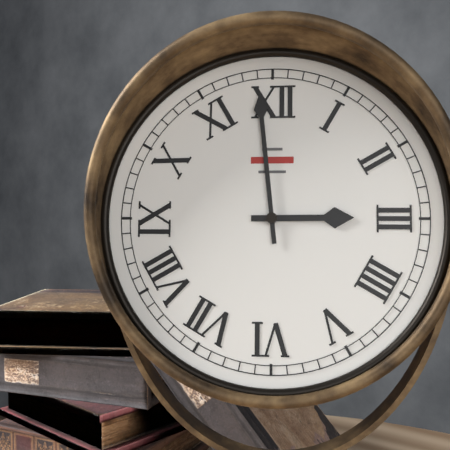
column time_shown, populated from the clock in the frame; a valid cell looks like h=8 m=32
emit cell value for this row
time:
h=2 m=59
